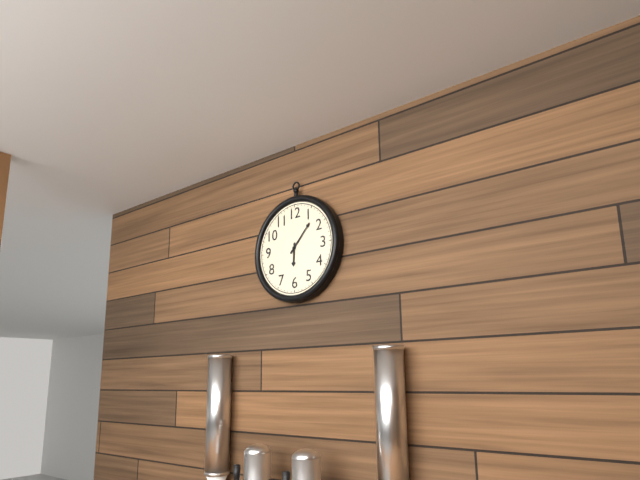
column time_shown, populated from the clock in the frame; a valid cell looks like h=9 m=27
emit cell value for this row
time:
h=6 m=7
